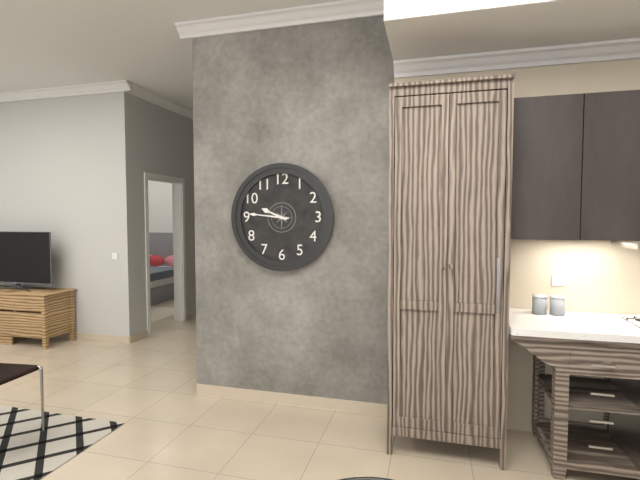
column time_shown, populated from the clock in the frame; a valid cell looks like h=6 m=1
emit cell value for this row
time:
h=9 m=46
